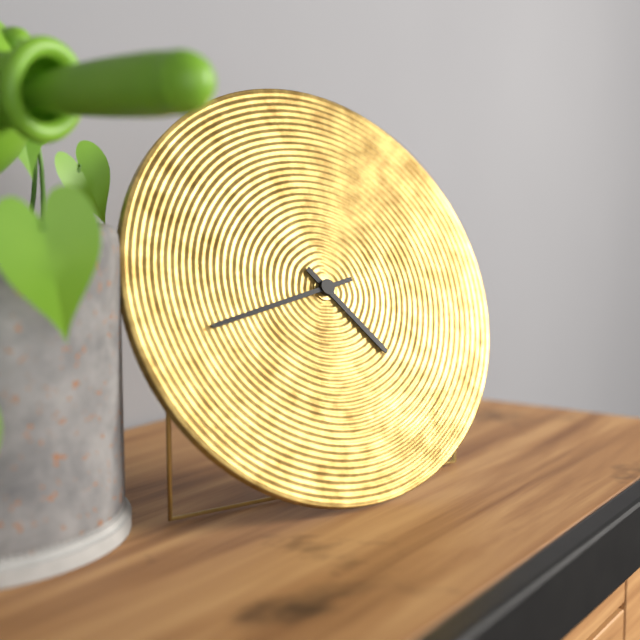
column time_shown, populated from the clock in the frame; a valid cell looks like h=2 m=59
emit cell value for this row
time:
h=4 m=43
